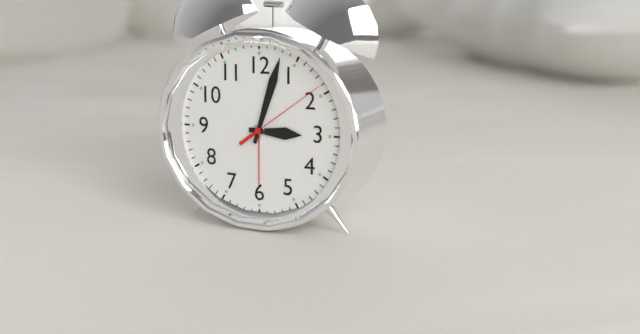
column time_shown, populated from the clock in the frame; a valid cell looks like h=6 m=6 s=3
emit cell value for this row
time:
h=3 m=3 s=9
